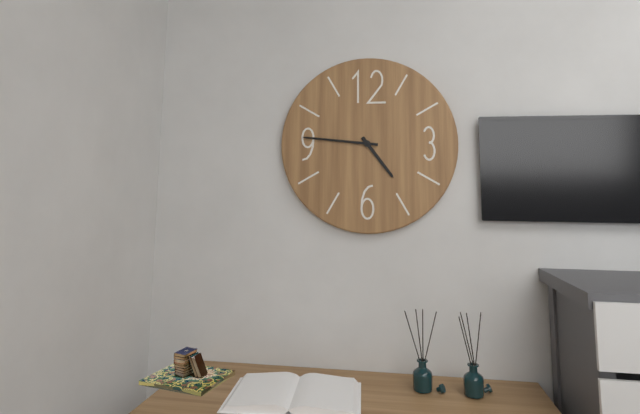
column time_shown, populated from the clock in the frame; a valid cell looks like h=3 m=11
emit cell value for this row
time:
h=4 m=46
